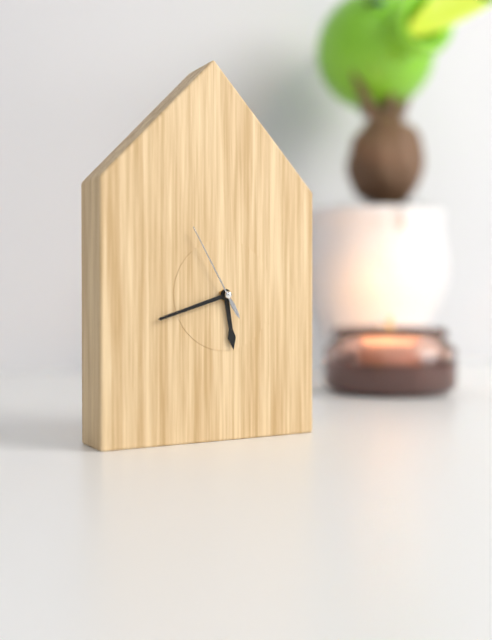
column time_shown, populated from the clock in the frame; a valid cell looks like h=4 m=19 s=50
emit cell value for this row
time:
h=5 m=42 s=55
